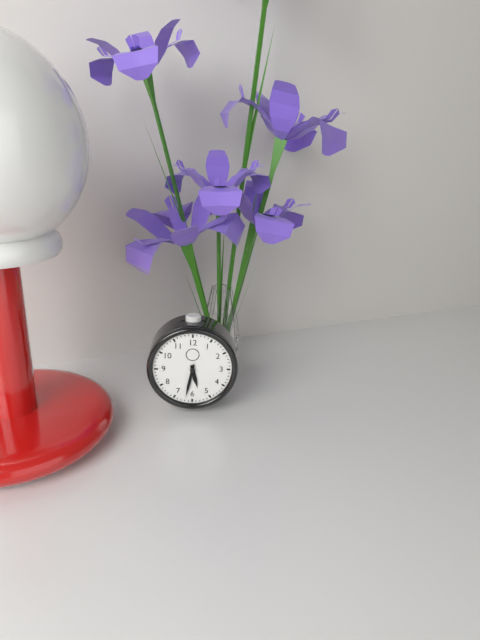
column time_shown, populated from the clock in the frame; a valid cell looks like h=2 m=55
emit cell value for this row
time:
h=5 m=32
